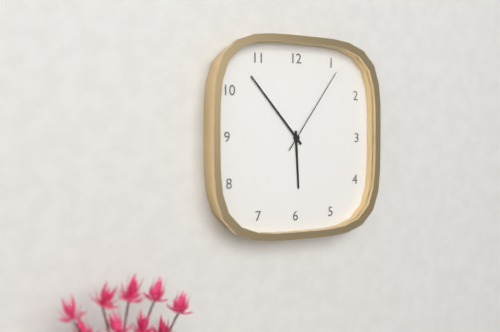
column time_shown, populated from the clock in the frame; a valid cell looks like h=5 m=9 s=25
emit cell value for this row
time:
h=5 m=53 s=6
